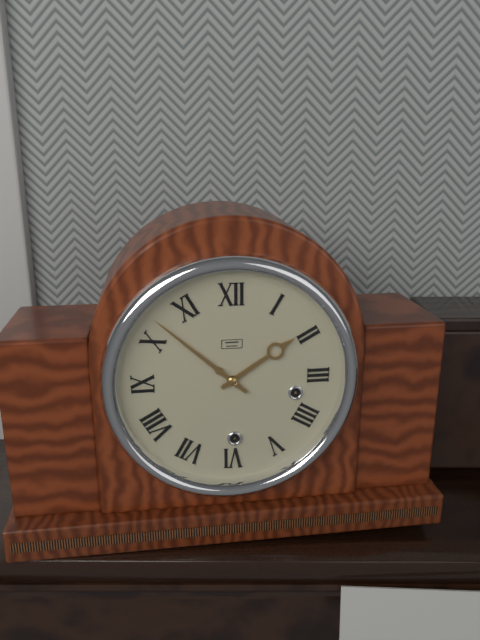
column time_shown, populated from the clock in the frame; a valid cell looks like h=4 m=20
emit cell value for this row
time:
h=1 m=52
